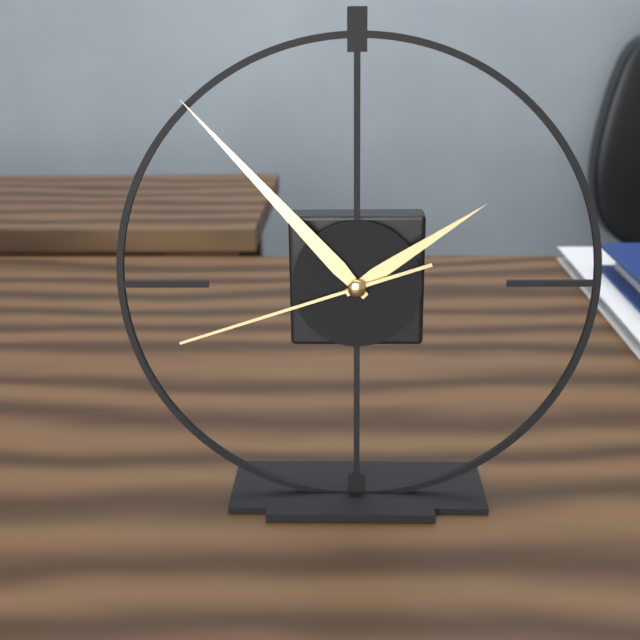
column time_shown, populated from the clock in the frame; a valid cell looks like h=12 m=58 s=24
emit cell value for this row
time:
h=1 m=53 s=42
